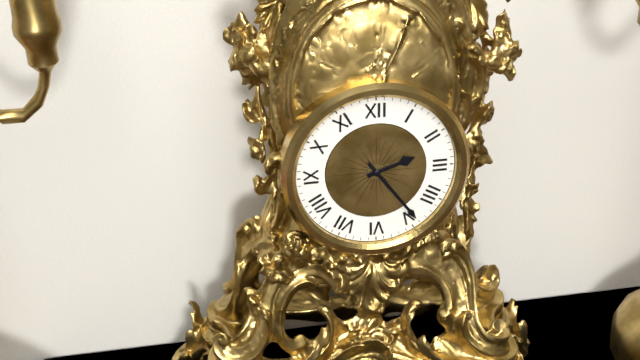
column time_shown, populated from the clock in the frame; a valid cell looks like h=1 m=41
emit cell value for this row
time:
h=2 m=24
